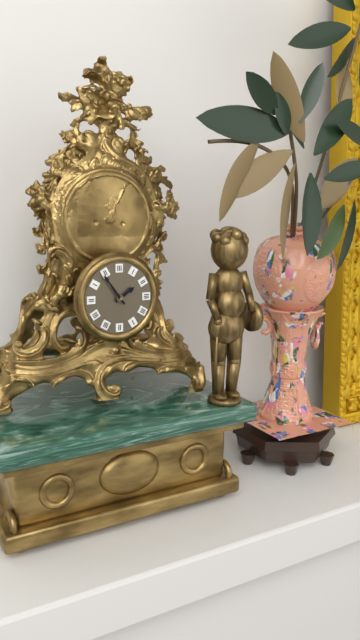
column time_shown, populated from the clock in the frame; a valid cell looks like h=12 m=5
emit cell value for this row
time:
h=1 m=54
